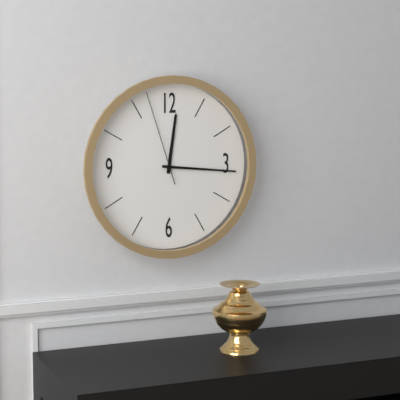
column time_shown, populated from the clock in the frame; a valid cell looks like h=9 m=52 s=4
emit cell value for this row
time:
h=12 m=16 s=57
